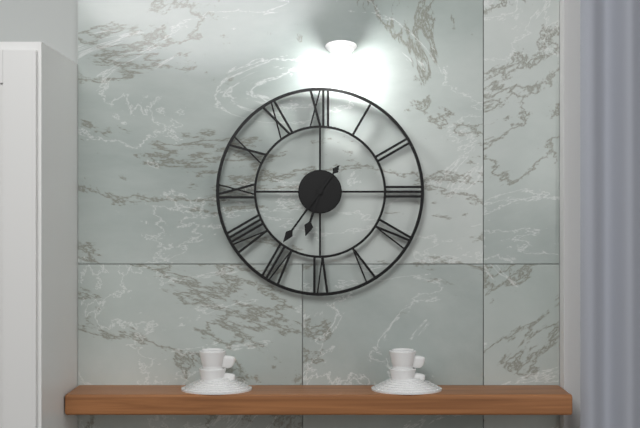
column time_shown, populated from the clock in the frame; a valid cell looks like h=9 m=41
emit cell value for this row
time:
h=6 m=36
